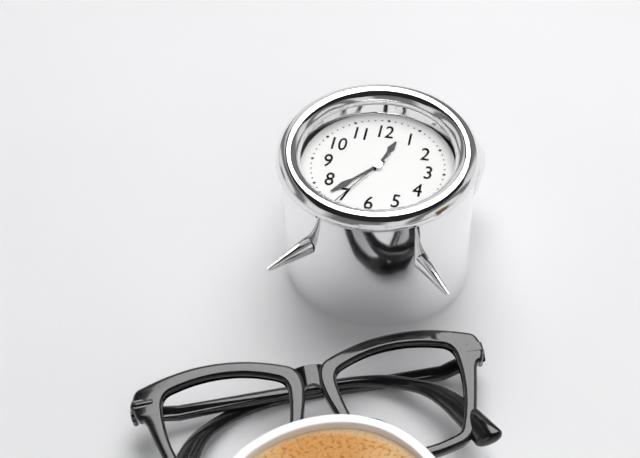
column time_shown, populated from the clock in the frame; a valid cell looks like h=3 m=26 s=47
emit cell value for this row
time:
h=12 m=37 s=35
